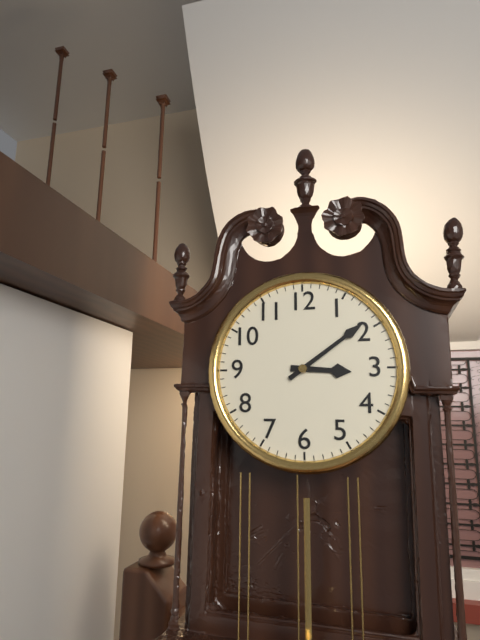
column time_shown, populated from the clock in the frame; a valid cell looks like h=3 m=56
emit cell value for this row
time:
h=3 m=9
